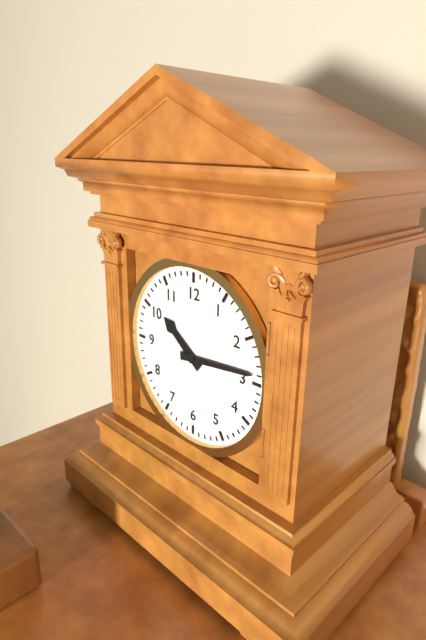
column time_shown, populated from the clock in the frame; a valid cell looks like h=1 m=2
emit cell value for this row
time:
h=10 m=14
